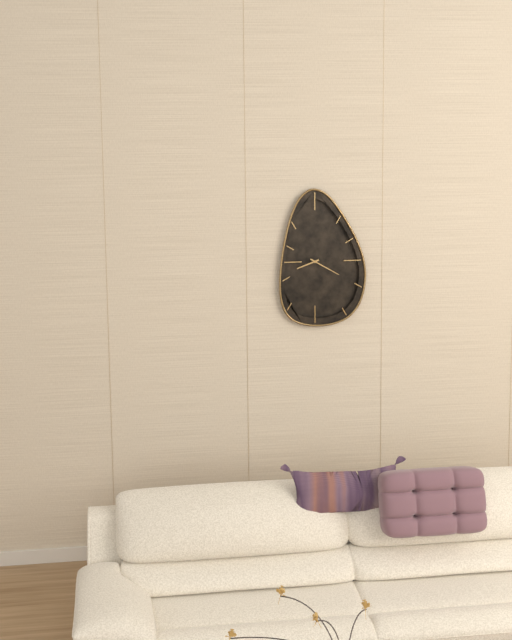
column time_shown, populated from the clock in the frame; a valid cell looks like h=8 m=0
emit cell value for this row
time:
h=8 m=20
